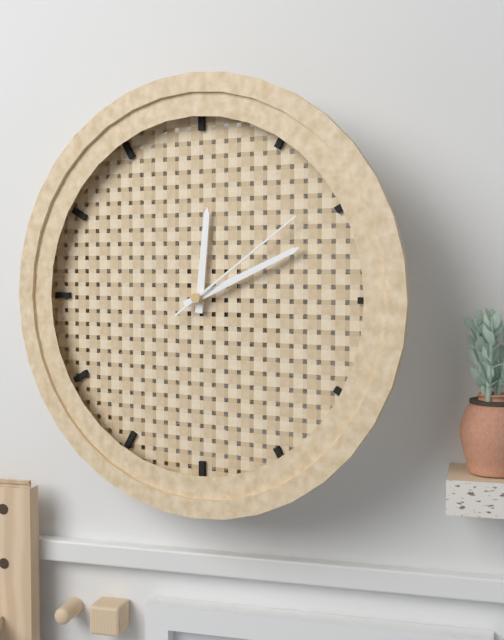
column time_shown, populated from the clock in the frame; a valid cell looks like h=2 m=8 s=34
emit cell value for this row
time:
h=12 m=11 s=9
